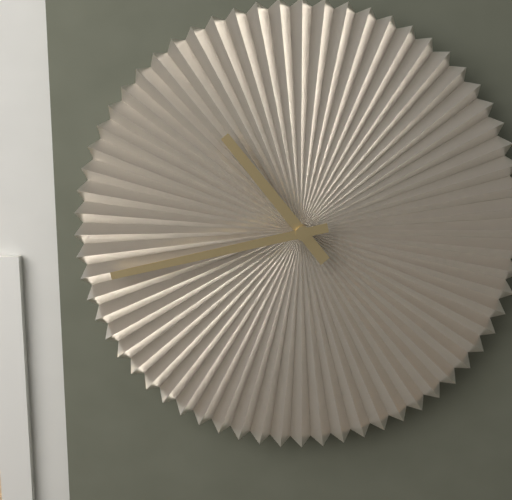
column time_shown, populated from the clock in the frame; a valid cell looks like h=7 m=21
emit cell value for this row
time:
h=10 m=43
